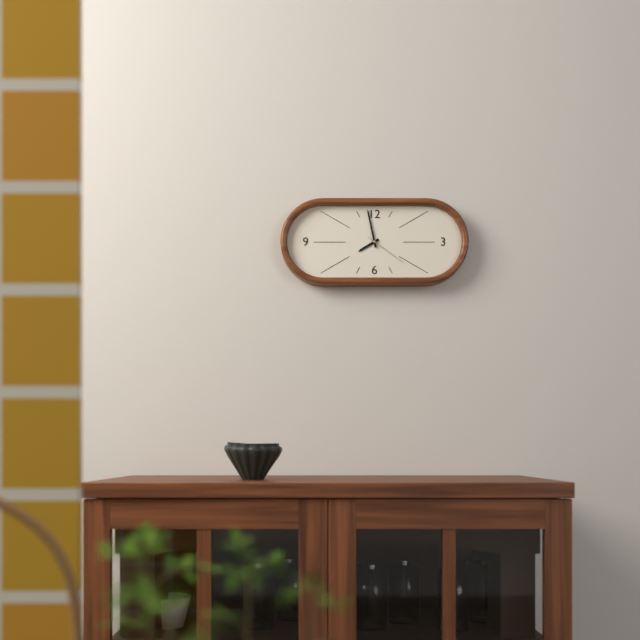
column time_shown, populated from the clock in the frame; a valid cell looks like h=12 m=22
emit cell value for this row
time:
h=7 m=58
